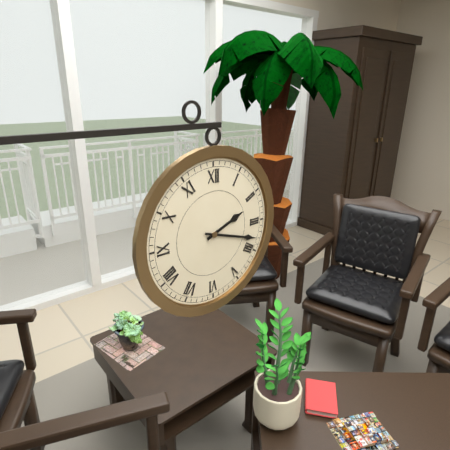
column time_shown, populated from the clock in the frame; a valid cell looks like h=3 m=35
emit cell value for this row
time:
h=2 m=18
